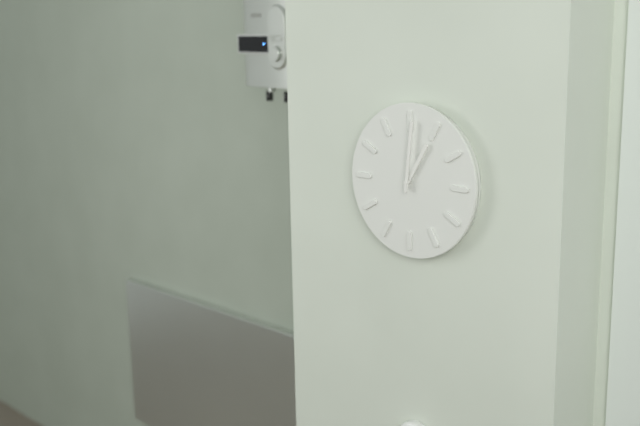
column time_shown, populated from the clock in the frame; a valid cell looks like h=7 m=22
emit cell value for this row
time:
h=1 m=1
